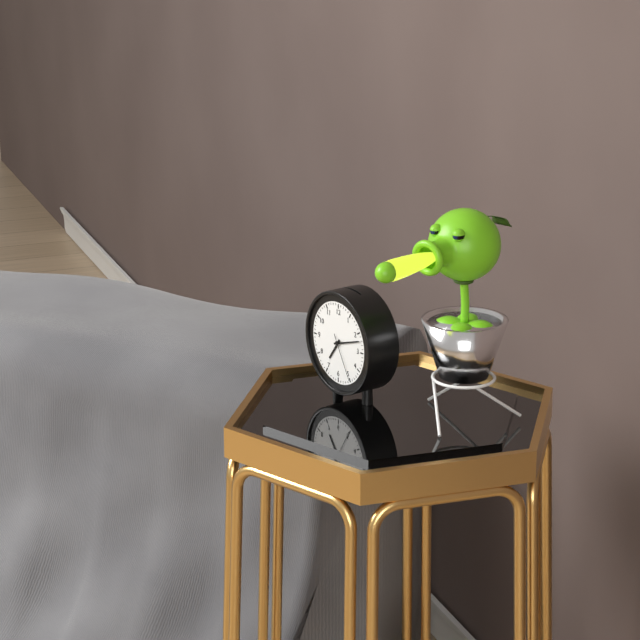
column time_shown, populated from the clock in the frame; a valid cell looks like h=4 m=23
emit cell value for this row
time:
h=7 m=12
